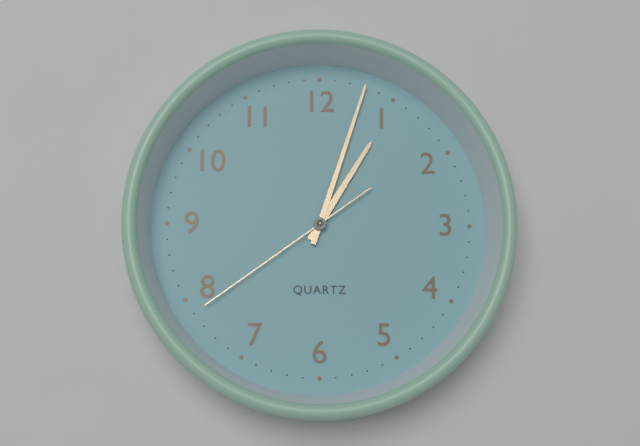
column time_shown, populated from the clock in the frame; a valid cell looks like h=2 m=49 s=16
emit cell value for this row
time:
h=1 m=3 s=39
